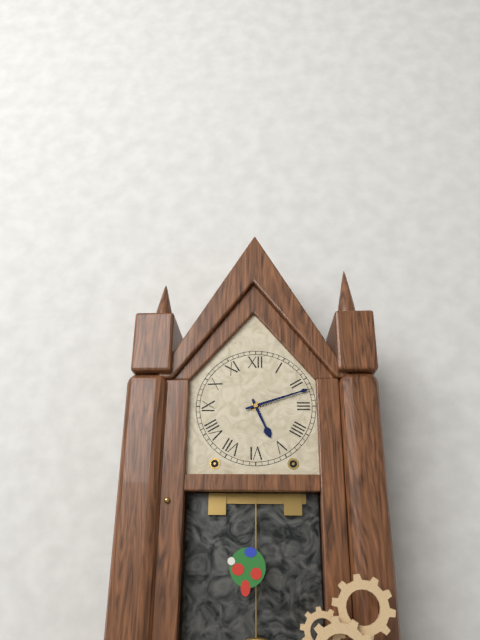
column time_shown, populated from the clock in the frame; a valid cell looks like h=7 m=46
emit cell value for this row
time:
h=5 m=12
